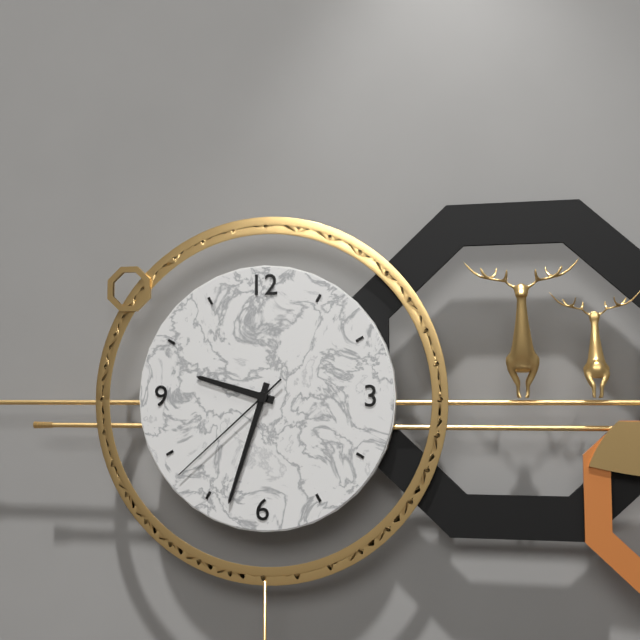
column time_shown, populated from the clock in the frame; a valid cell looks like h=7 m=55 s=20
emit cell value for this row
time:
h=9 m=33 s=38
